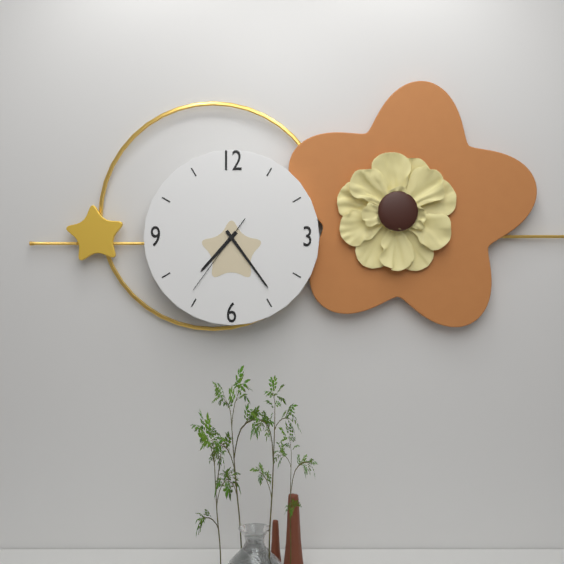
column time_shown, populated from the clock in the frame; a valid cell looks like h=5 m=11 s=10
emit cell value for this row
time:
h=7 m=24 s=36
